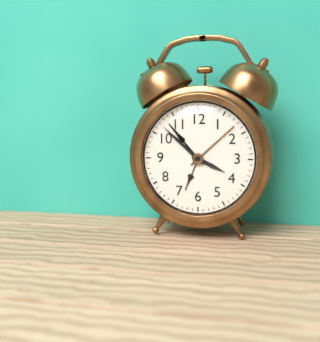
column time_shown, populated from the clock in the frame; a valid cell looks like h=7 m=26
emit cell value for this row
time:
h=3 m=52
